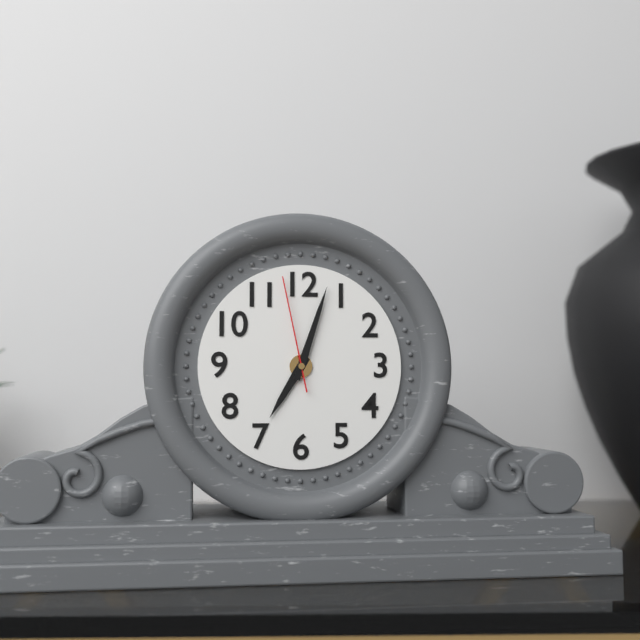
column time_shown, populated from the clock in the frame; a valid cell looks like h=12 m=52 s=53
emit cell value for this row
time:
h=7 m=3 s=58
